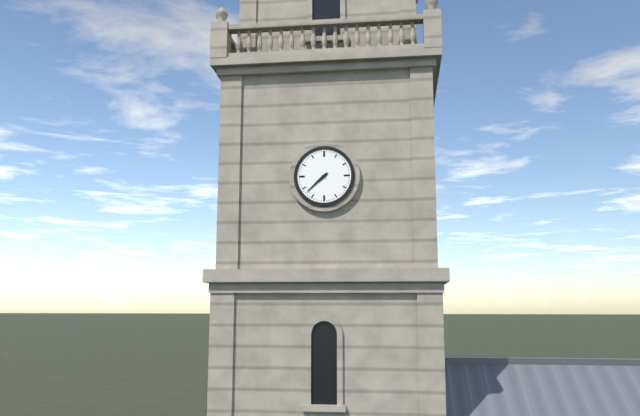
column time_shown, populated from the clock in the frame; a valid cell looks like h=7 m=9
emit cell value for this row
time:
h=7 m=38
